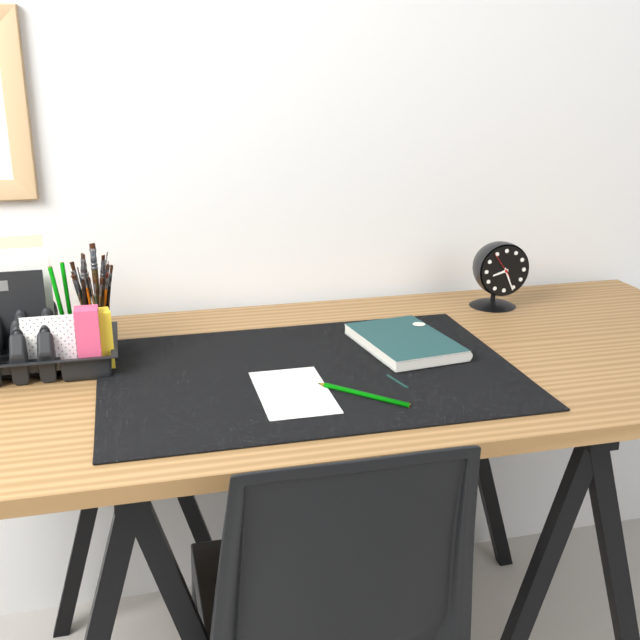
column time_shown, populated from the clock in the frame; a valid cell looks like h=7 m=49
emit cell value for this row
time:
h=8 m=26
